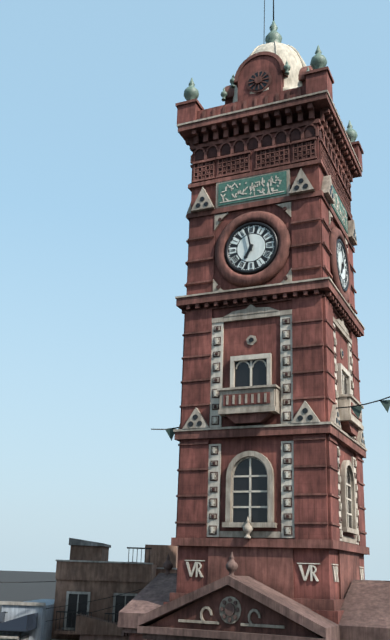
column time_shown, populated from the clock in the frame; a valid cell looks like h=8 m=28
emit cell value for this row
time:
h=6 m=58
